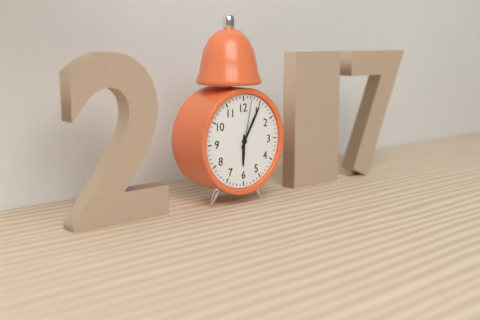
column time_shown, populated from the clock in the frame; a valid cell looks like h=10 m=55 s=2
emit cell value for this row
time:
h=6 m=5 s=2
